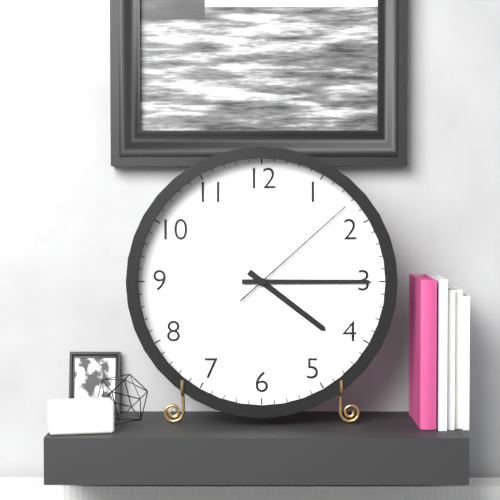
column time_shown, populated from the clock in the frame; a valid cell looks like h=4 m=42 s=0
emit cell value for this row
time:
h=4 m=15 s=8
